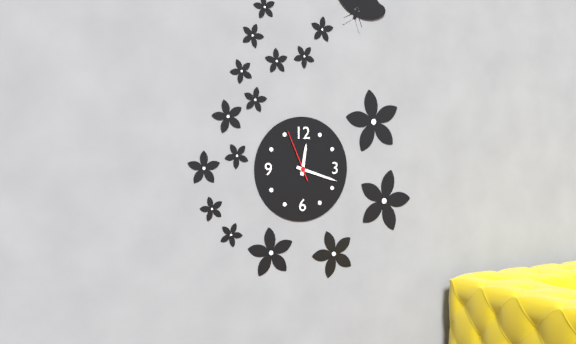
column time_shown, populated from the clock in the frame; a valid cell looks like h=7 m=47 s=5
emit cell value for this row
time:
h=12 m=18 s=56
